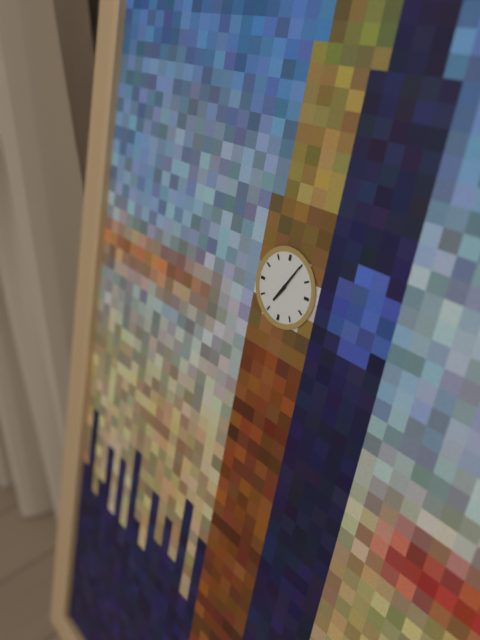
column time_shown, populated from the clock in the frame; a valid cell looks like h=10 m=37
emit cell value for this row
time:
h=7 m=5
